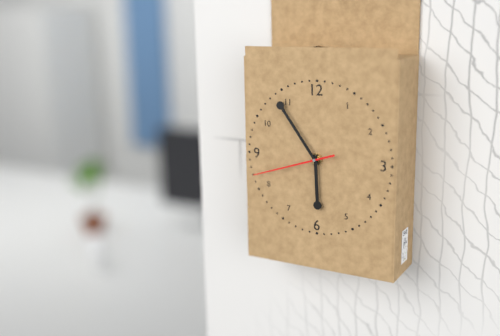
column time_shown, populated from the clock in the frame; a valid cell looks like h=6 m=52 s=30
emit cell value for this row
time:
h=5 m=54 s=42
